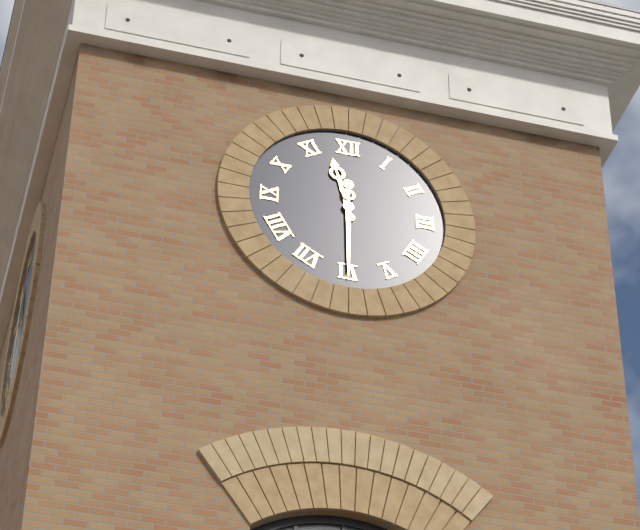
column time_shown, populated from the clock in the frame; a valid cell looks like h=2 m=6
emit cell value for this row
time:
h=11 m=30
